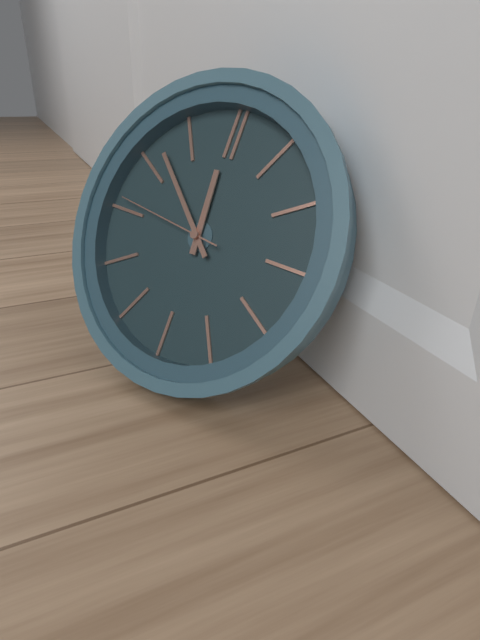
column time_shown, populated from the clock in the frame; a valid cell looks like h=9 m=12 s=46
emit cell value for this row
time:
h=11 m=52 s=46
